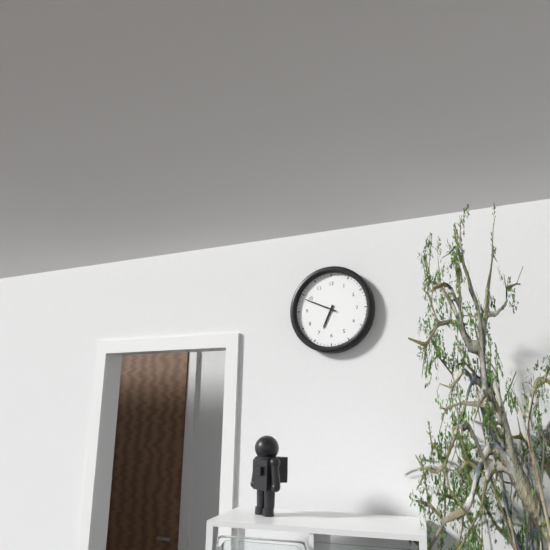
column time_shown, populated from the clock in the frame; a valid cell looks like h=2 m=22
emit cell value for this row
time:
h=6 m=49
